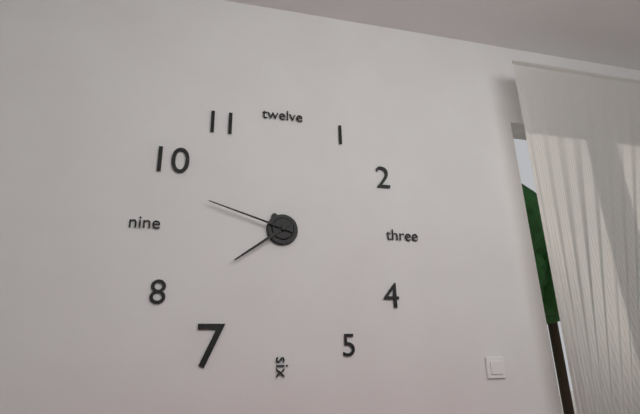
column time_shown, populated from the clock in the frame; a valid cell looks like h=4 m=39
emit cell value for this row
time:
h=7 m=48
